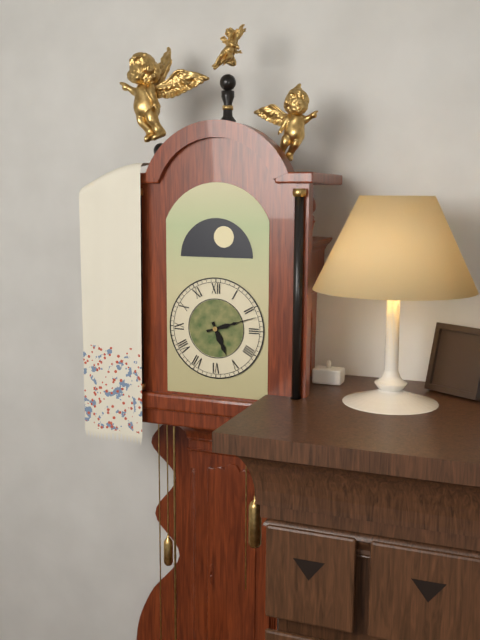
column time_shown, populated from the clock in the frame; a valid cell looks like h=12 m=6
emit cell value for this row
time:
h=5 m=12
